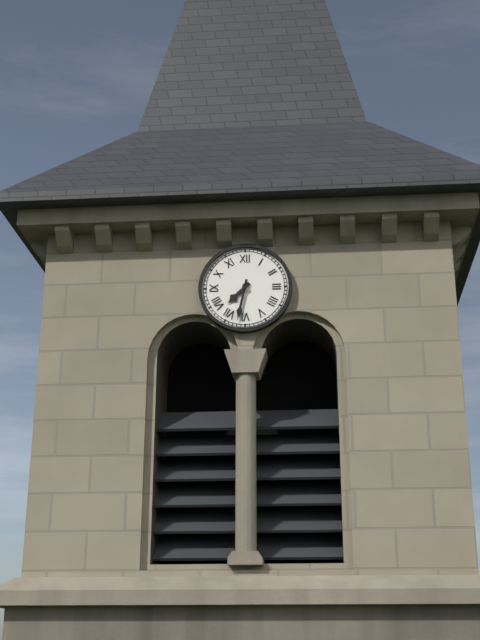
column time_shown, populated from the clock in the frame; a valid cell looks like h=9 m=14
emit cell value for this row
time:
h=7 m=32
